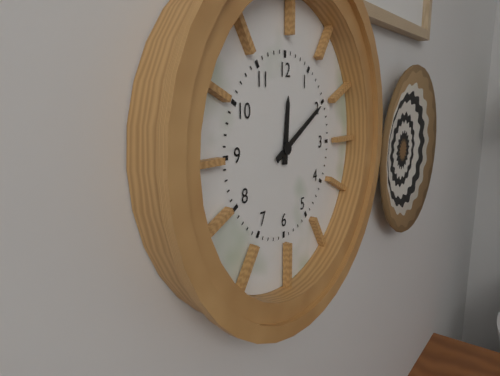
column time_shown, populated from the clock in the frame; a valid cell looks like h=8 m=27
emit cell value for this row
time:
h=12 m=10
